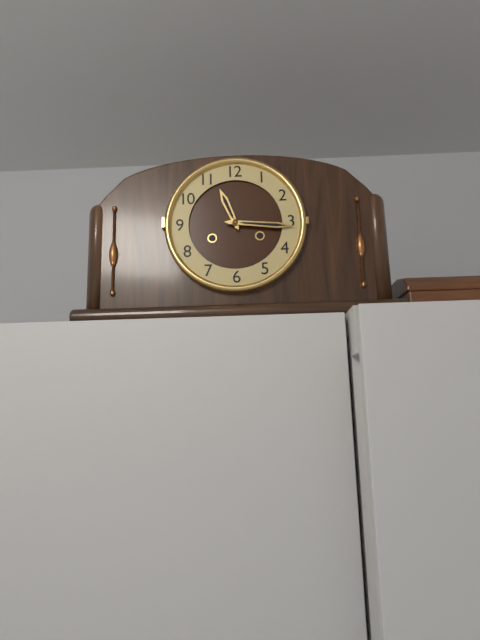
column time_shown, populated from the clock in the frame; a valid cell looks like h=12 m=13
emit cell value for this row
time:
h=11 m=16
